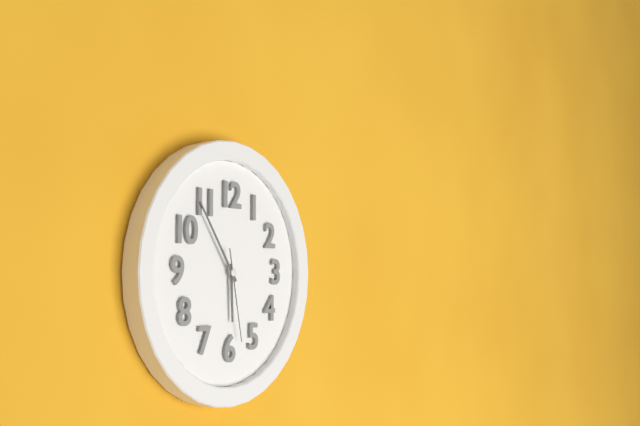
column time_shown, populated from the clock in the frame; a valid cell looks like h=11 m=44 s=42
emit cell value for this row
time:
h=5 m=54 s=28
